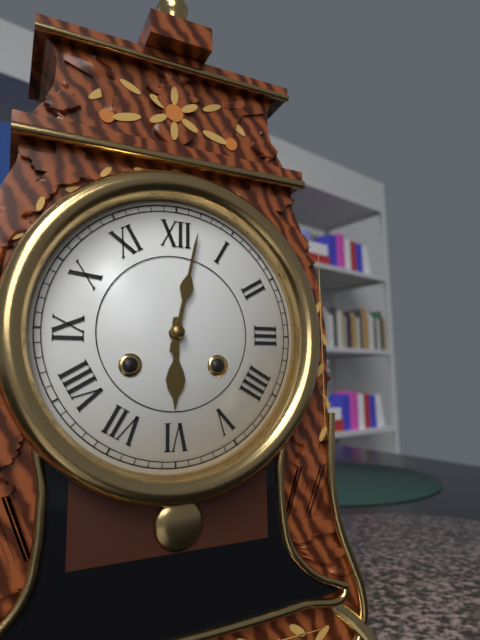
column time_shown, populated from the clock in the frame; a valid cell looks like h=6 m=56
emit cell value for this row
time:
h=6 m=2
